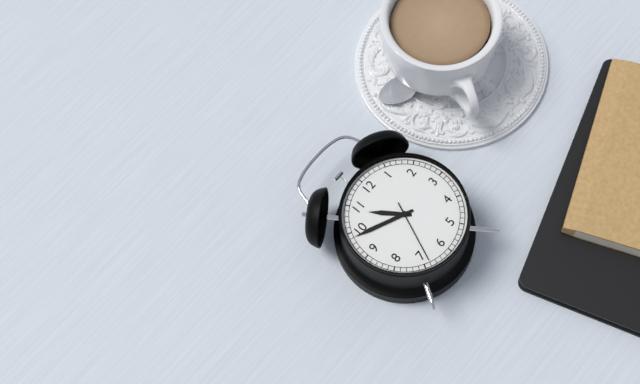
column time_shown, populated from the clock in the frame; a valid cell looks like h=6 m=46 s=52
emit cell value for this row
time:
h=10 m=49 s=34
